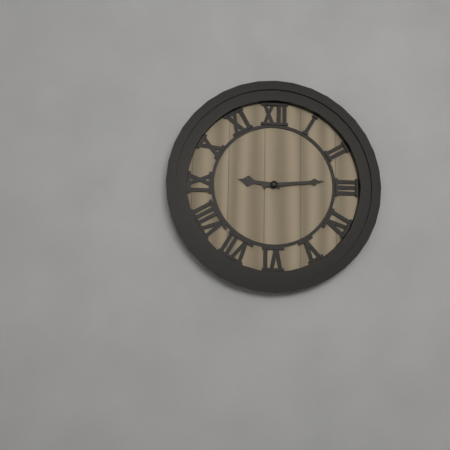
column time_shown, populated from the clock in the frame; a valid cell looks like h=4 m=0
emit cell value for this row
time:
h=9 m=14
